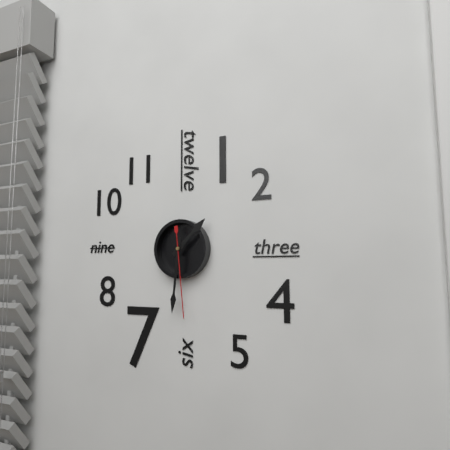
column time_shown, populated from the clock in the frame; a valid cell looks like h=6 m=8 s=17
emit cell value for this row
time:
h=1 m=31 s=29
